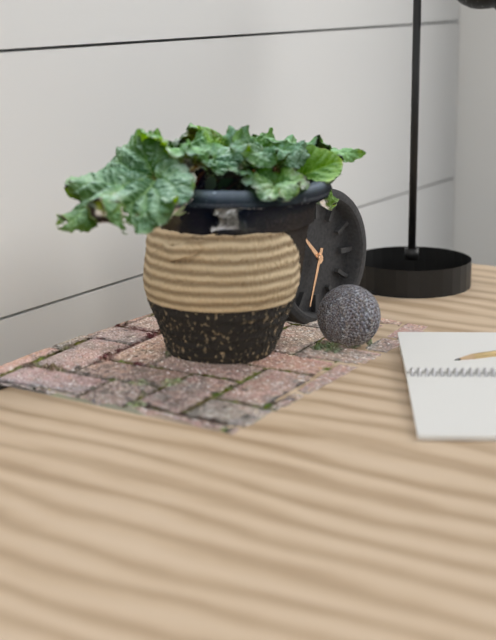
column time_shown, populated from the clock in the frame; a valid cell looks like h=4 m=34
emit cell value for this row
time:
h=10 m=33
